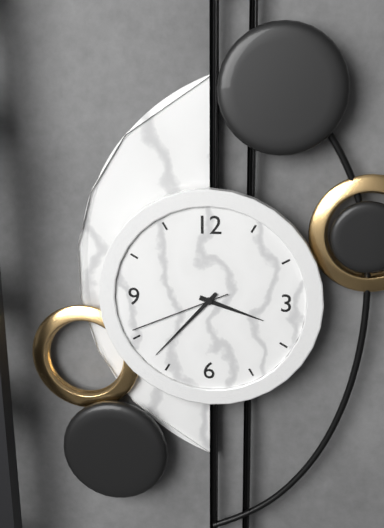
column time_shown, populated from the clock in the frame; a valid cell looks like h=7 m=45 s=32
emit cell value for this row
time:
h=3 m=37 s=41
